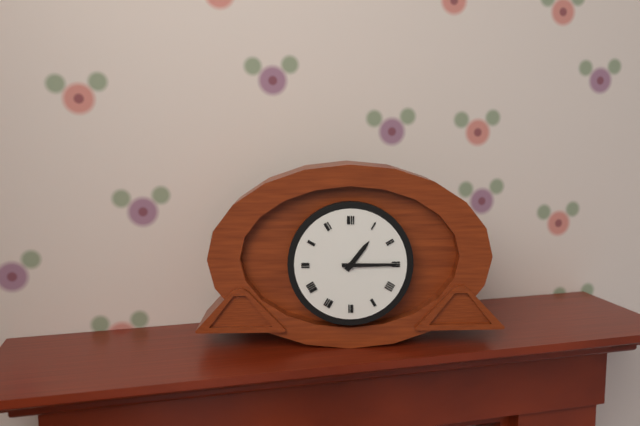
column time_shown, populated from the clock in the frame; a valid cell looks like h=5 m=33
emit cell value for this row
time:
h=1 m=15
